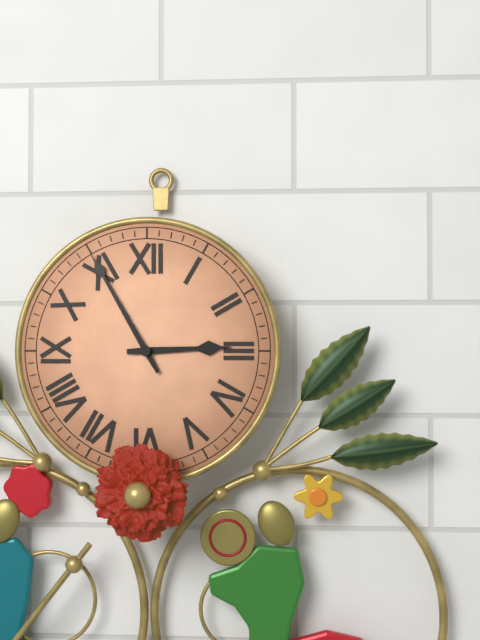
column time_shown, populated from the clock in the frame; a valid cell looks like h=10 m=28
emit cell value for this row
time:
h=2 m=55
